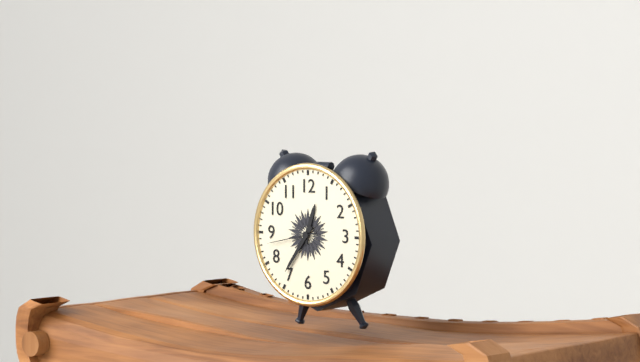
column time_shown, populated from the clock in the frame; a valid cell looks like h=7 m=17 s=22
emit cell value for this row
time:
h=12 m=36 s=43
